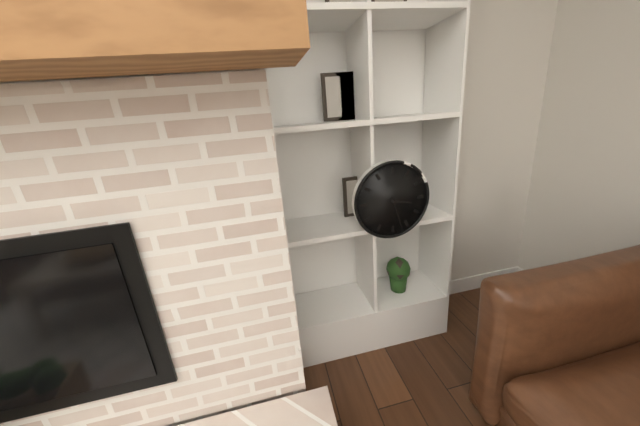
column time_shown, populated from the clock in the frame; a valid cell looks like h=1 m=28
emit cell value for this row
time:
h=3 m=27
